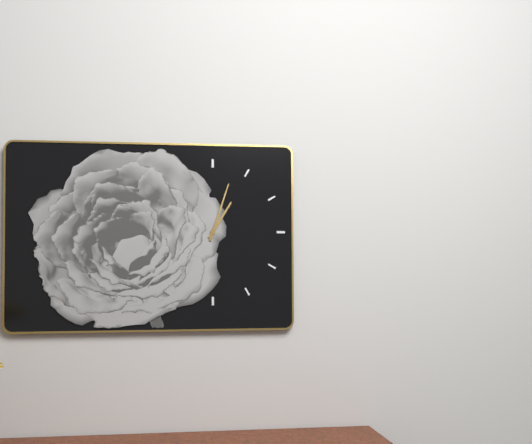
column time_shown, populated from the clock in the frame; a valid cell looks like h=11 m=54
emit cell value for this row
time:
h=1 m=3
